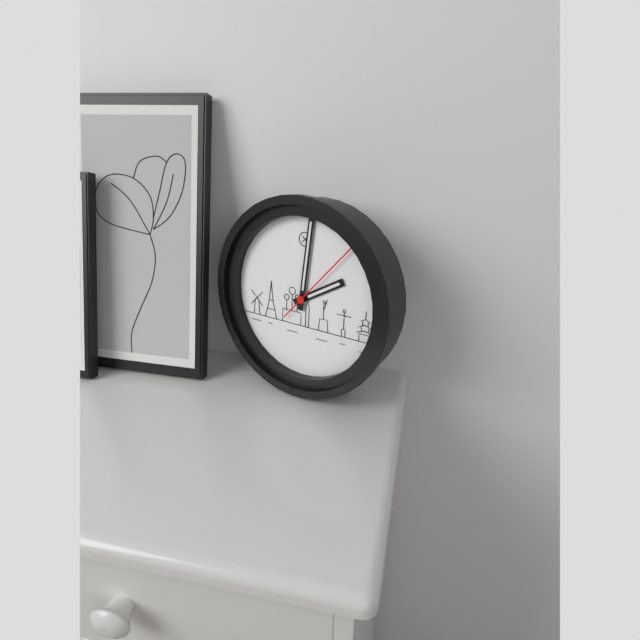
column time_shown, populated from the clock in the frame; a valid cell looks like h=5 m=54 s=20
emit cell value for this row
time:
h=2 m=1 s=7
